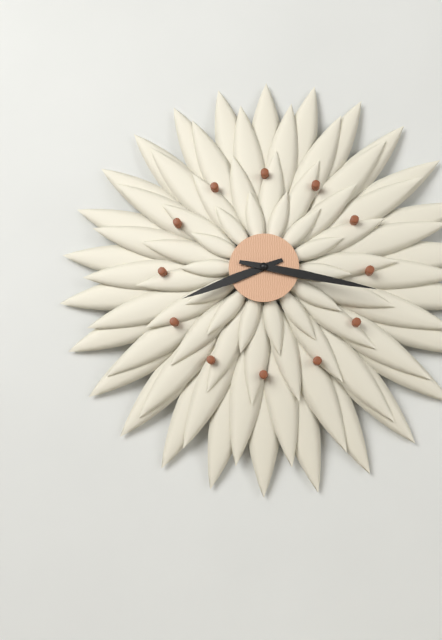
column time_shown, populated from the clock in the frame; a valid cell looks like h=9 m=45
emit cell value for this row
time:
h=8 m=17
